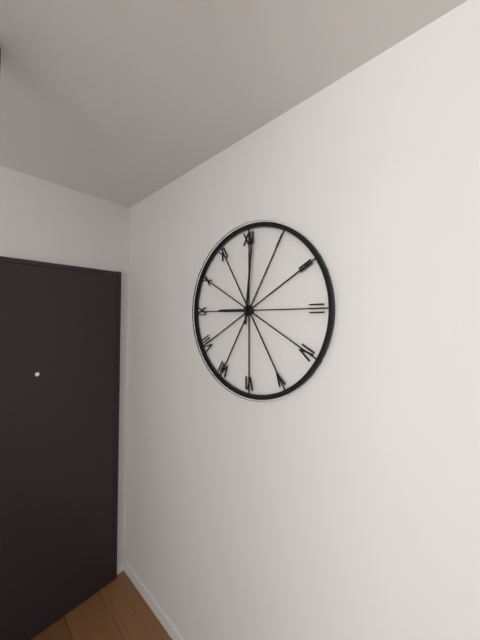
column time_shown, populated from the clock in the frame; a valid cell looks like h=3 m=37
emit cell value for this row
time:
h=9 m=1
